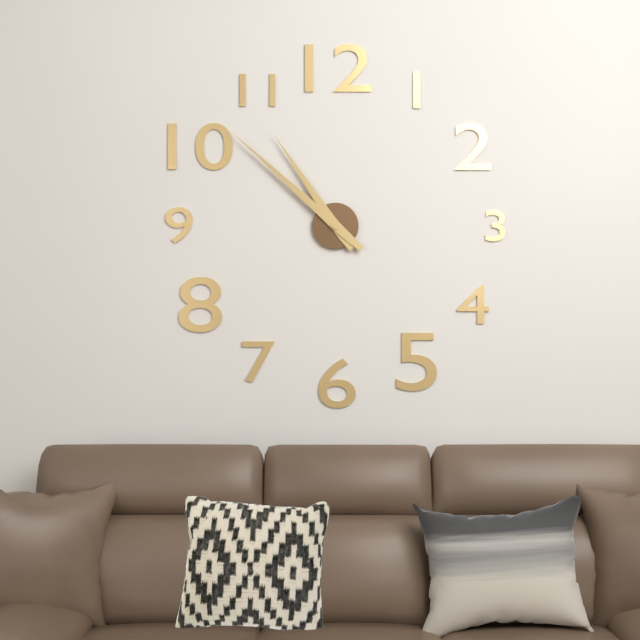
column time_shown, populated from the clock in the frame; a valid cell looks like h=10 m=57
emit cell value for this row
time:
h=10 m=52
